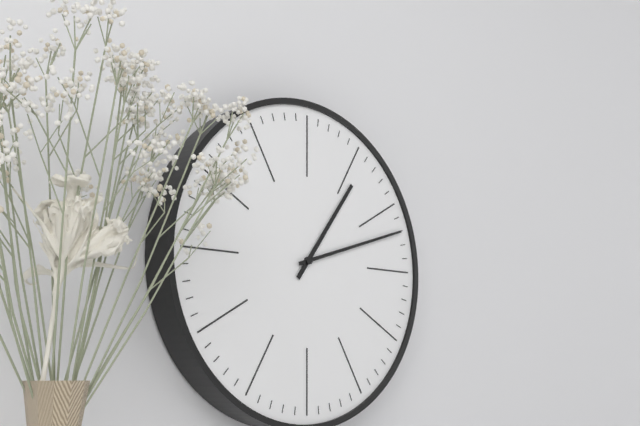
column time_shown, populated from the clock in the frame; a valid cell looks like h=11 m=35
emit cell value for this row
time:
h=1 m=12
